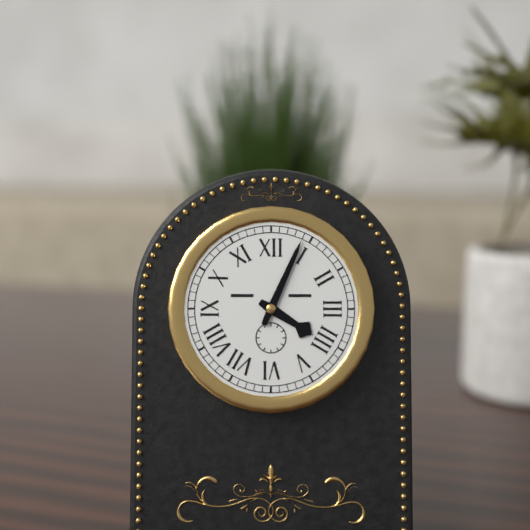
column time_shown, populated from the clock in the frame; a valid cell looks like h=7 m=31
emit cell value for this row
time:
h=4 m=4
